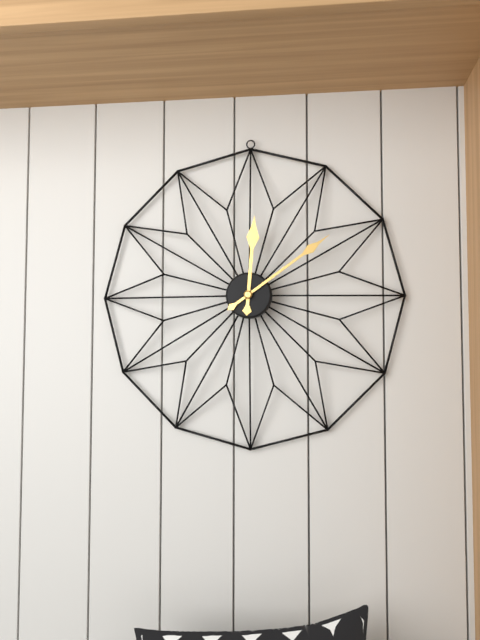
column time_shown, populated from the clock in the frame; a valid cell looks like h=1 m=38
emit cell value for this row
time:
h=12 m=9
